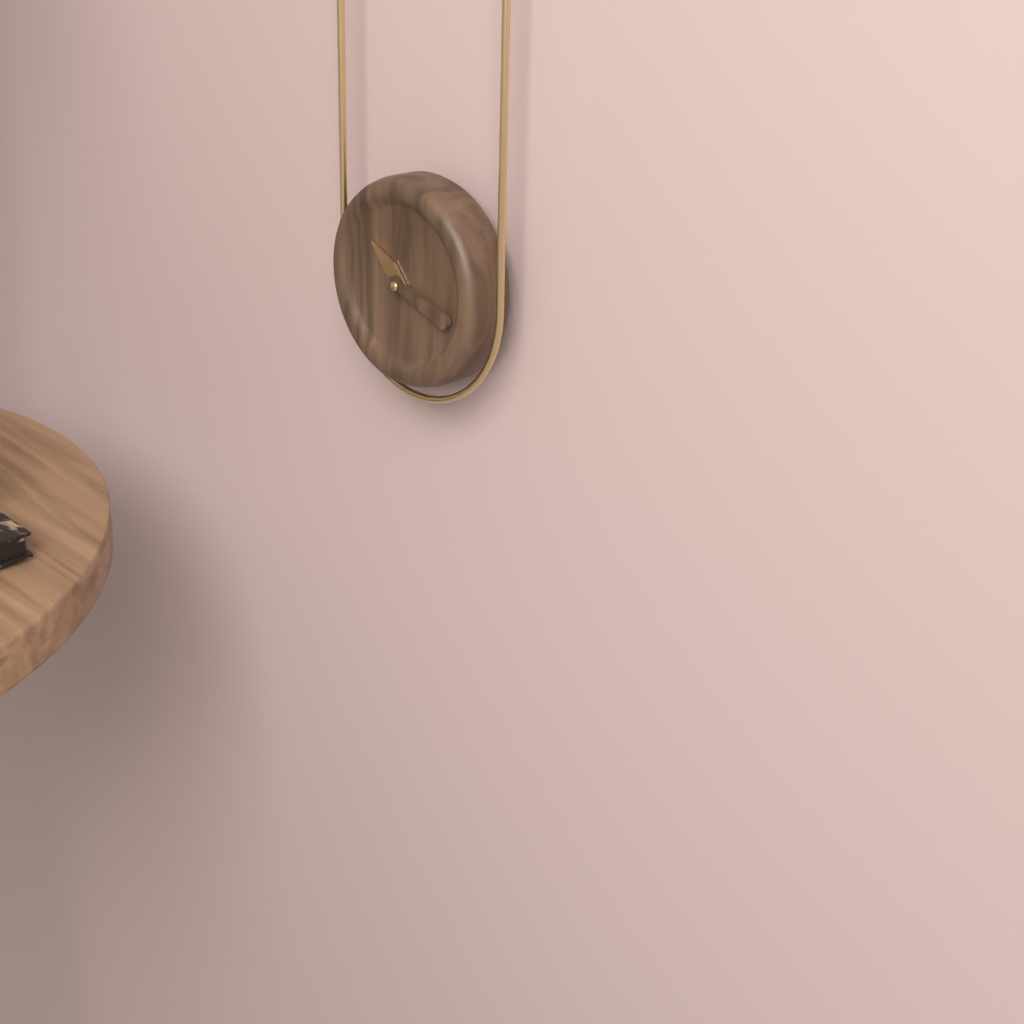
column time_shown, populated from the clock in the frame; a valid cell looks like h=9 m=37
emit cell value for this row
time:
h=10 m=18
